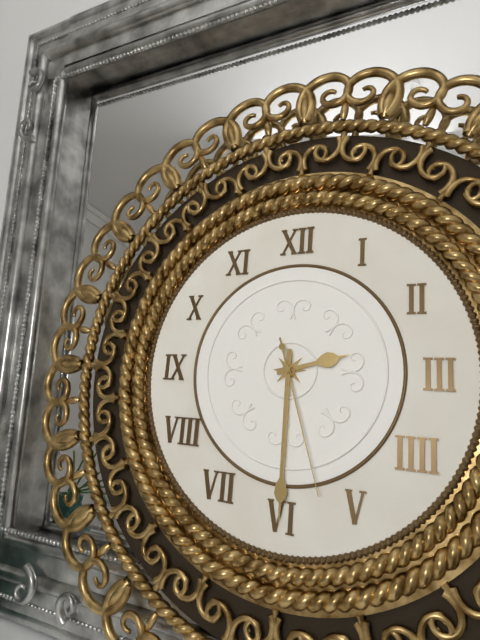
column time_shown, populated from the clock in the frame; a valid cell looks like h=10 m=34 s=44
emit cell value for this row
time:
h=2 m=30 s=27
